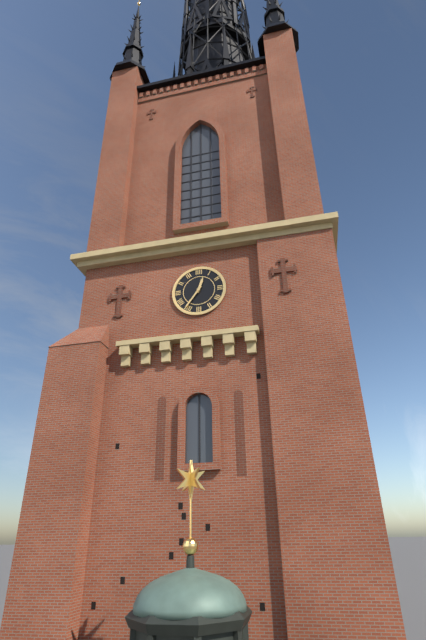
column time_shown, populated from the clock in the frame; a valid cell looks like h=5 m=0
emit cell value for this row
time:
h=12 m=36
